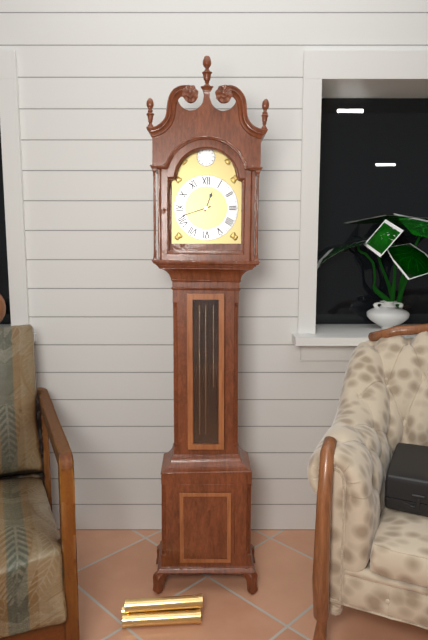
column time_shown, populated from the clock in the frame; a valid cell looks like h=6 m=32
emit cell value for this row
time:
h=12 m=42
